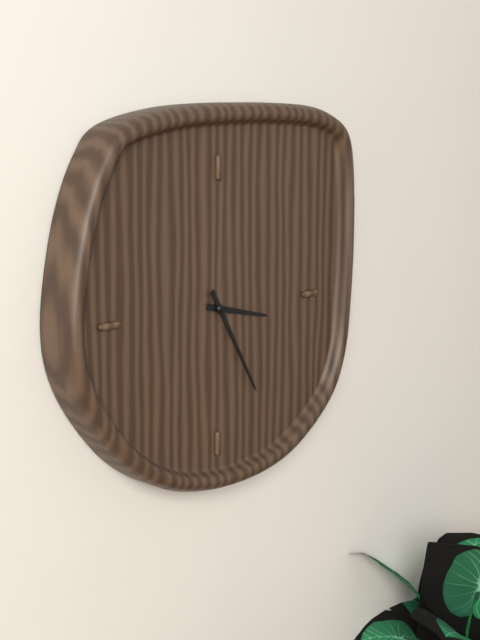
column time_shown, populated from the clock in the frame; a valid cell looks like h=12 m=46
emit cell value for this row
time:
h=3 m=25
